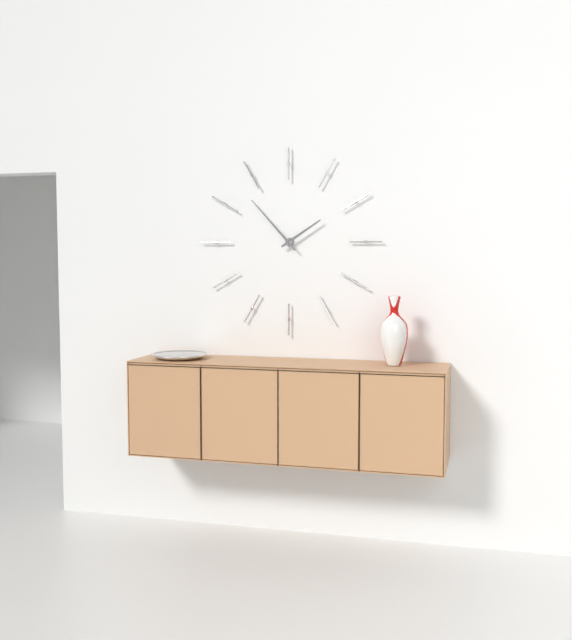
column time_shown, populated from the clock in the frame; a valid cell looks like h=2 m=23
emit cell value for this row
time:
h=1 m=53
